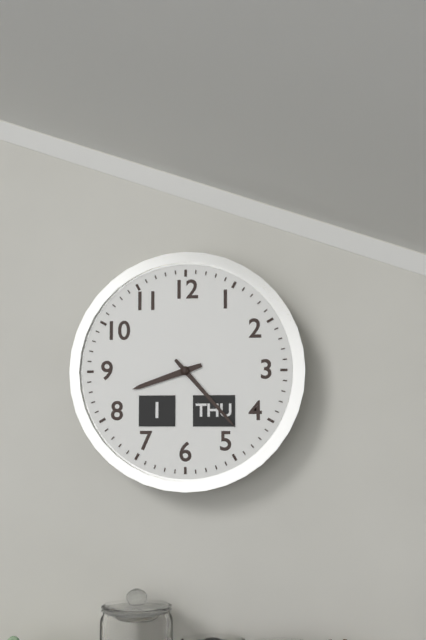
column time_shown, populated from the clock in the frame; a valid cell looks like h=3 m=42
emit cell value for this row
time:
h=8 m=23
